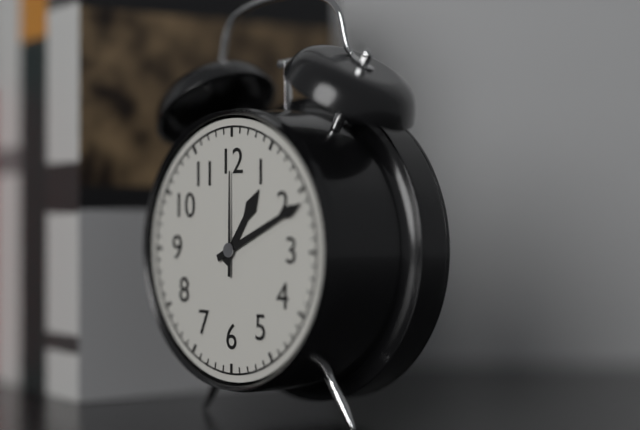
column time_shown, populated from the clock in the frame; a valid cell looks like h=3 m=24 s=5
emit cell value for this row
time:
h=1 m=11 s=0
